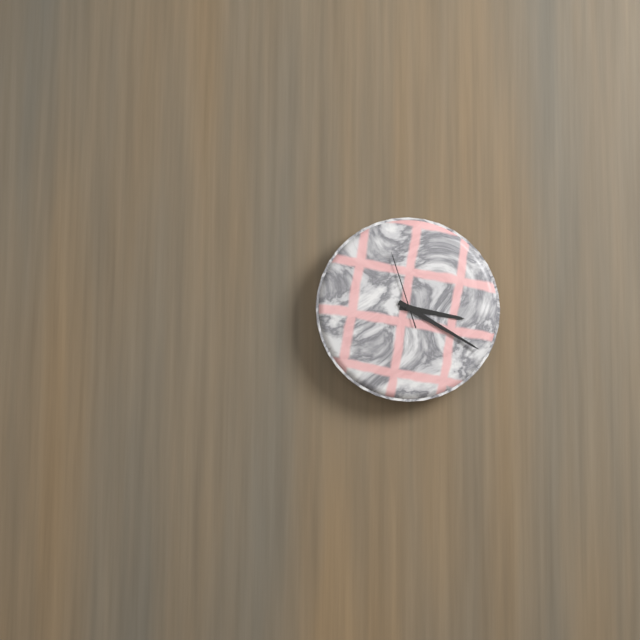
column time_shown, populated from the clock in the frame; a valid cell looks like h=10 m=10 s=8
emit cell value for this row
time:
h=3 m=20 s=57
